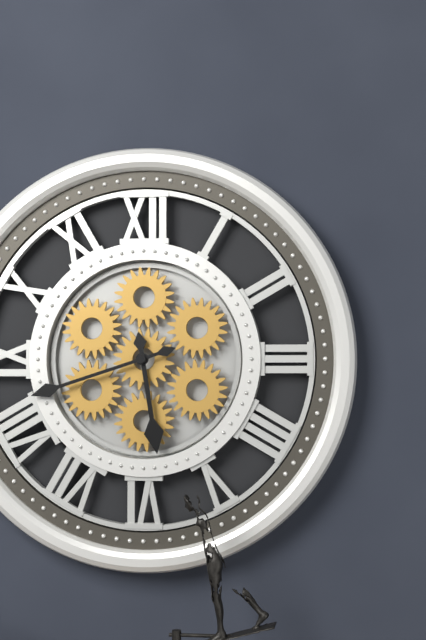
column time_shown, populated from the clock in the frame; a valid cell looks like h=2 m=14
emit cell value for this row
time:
h=5 m=42
